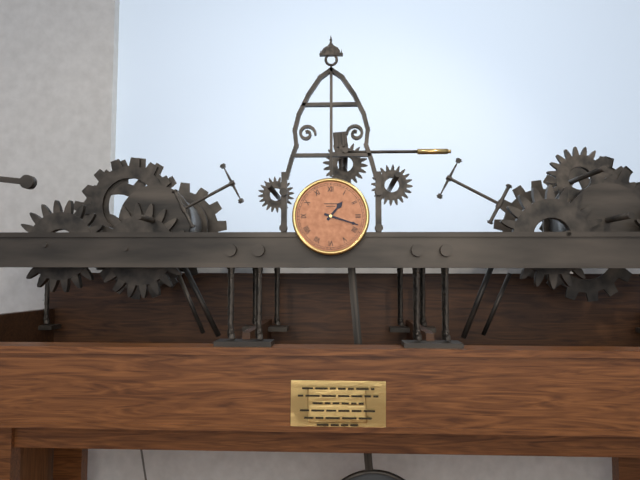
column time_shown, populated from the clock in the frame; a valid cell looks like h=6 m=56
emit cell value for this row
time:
h=1 m=18
